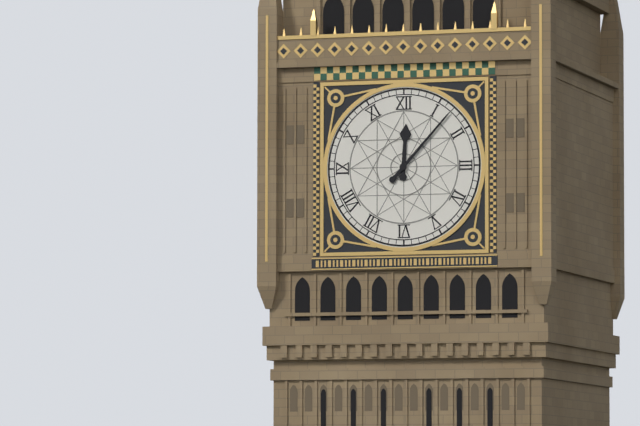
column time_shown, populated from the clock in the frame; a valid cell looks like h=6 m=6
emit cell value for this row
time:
h=12 m=7
